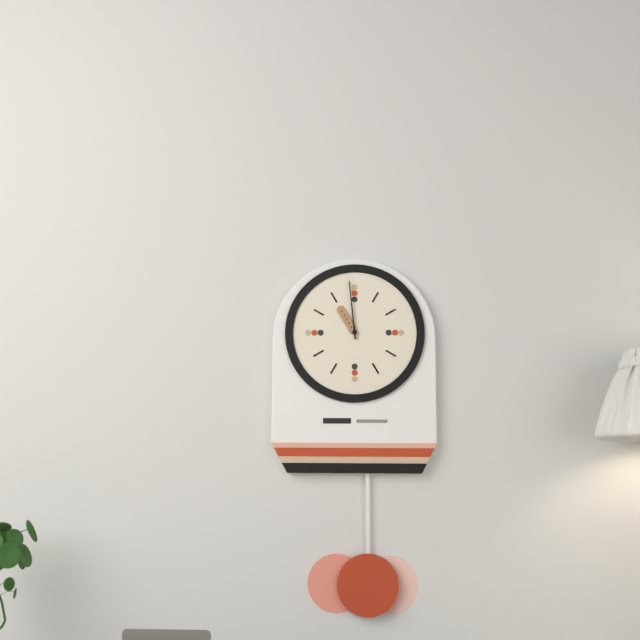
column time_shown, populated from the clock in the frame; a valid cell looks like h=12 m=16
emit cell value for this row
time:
h=10 m=59
